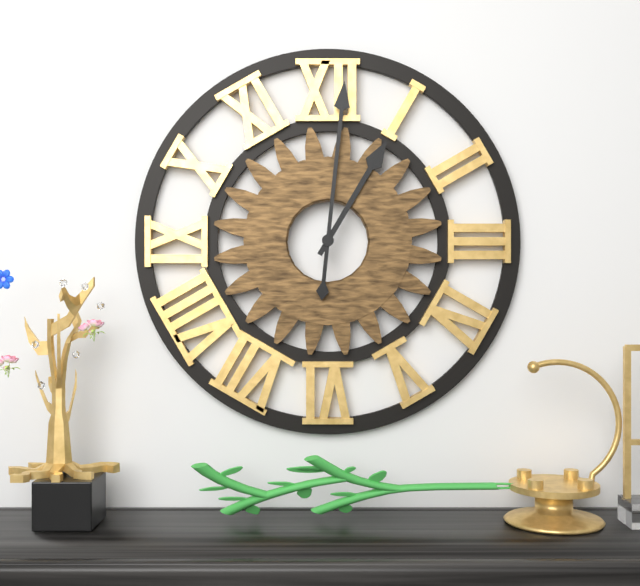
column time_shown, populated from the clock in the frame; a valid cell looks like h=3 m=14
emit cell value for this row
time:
h=1 m=1
